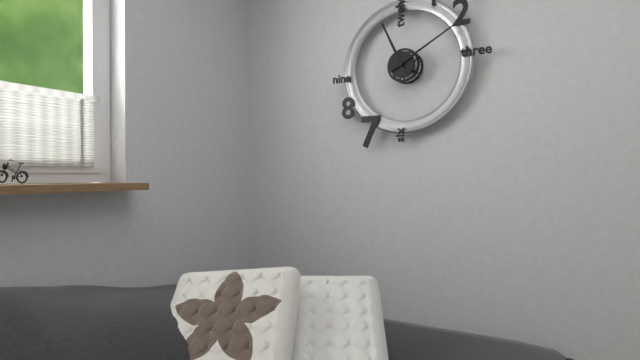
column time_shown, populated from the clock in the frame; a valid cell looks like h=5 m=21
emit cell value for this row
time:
h=11 m=10
